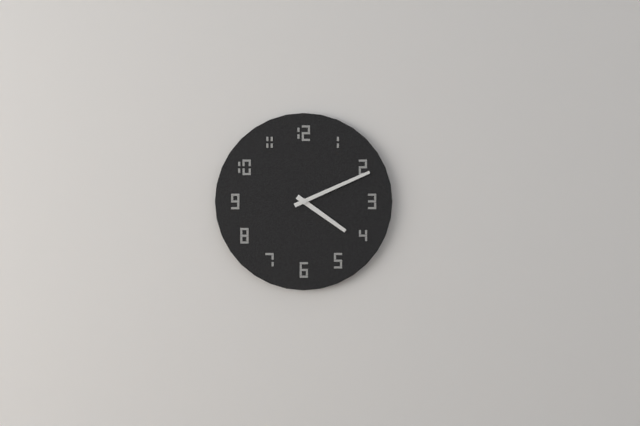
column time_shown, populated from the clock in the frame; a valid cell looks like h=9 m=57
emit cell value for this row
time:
h=4 m=11
